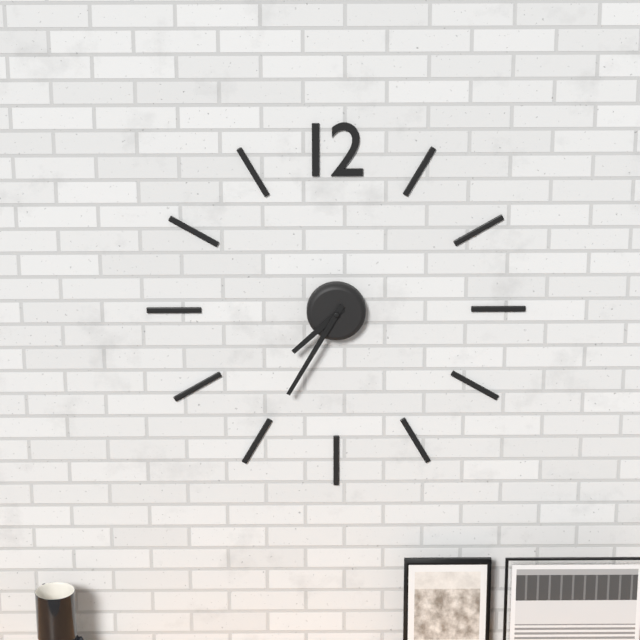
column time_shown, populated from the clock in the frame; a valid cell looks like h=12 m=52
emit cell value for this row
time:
h=7 m=35
